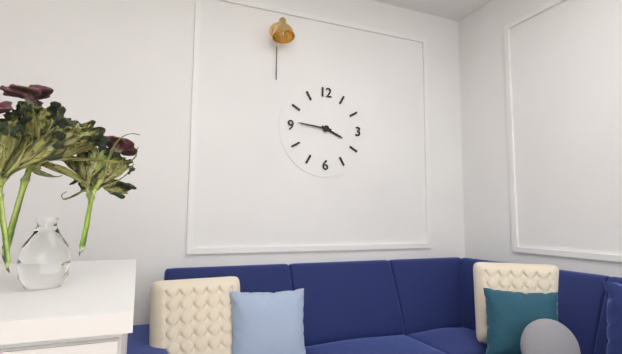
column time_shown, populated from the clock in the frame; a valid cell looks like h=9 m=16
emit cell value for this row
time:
h=3 m=46
